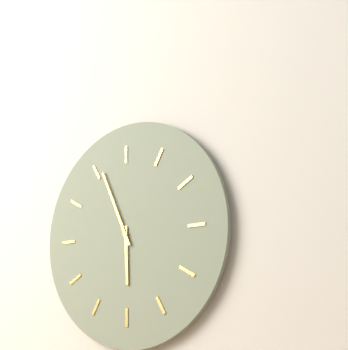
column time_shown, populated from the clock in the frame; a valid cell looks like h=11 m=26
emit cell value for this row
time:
h=5 m=56
